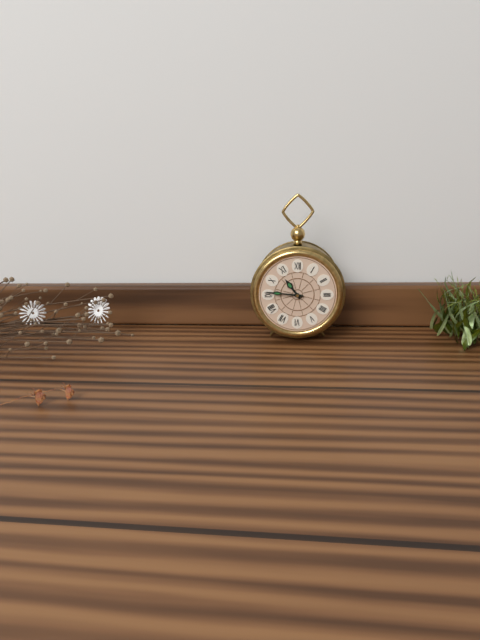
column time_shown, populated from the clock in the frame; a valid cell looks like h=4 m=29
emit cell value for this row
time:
h=10 m=46
